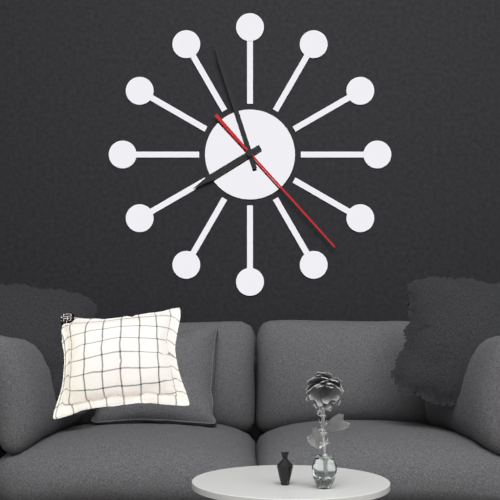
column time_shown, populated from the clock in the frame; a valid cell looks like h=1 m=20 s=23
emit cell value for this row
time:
h=7 m=57 s=23
